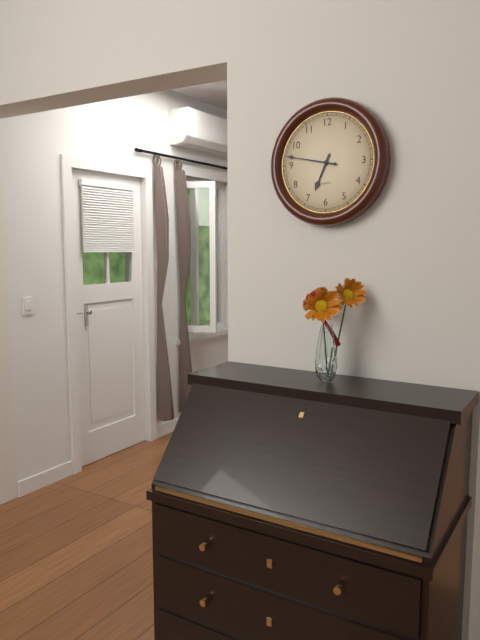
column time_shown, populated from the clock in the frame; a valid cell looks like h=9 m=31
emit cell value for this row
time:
h=6 m=47
